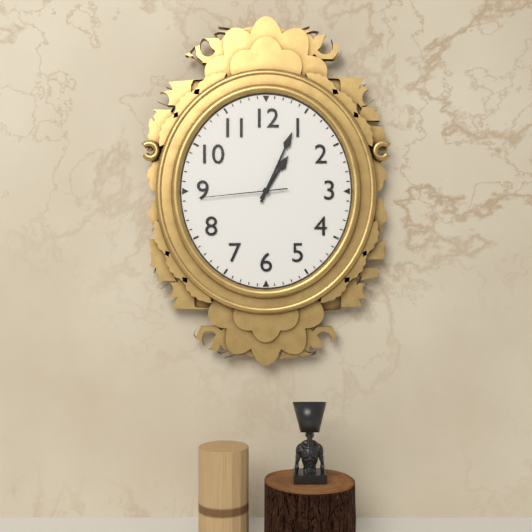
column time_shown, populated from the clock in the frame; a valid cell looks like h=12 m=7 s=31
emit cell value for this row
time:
h=1 m=4 s=44
